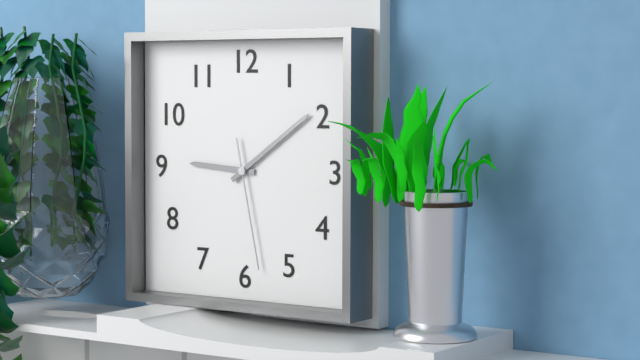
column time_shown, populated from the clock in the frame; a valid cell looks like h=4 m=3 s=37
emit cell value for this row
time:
h=9 m=9 s=28
